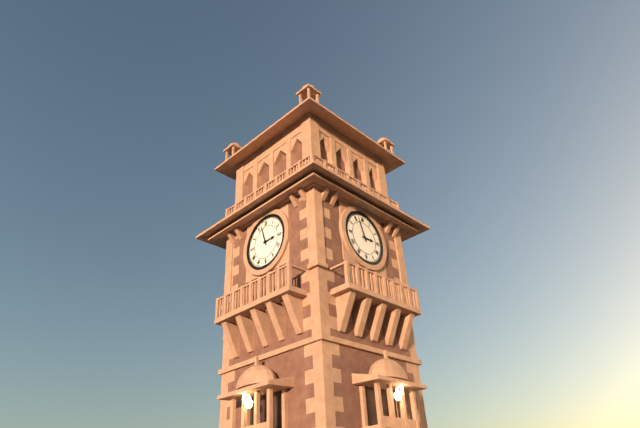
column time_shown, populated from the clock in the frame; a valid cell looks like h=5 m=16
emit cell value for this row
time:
h=2 m=57
